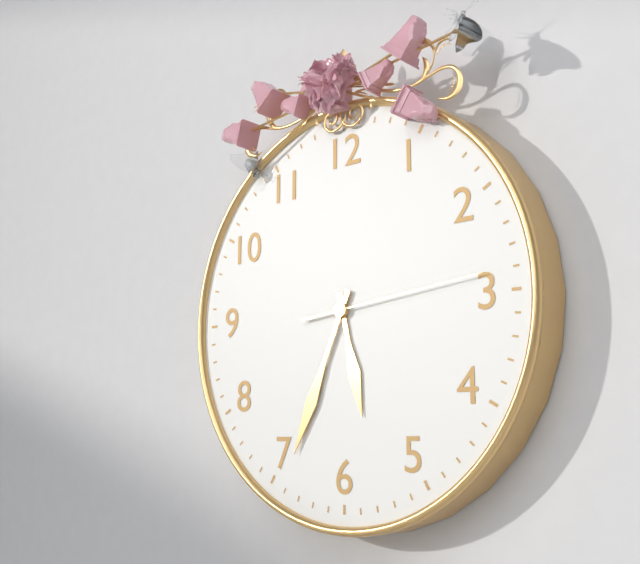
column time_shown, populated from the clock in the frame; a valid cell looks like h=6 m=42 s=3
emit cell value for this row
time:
h=5 m=34 s=14
